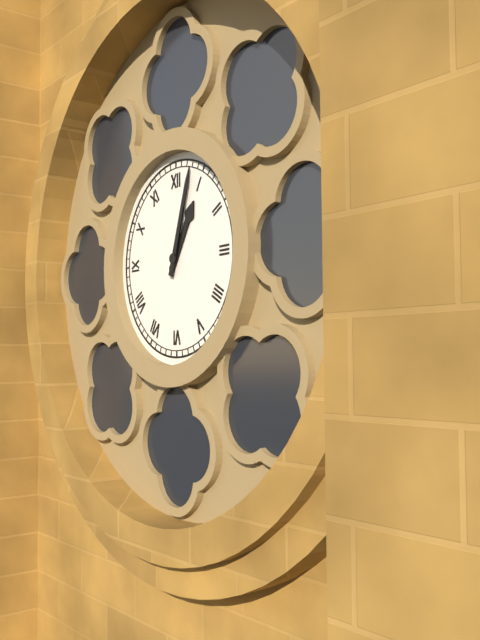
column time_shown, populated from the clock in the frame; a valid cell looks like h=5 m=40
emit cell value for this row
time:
h=1 m=3
